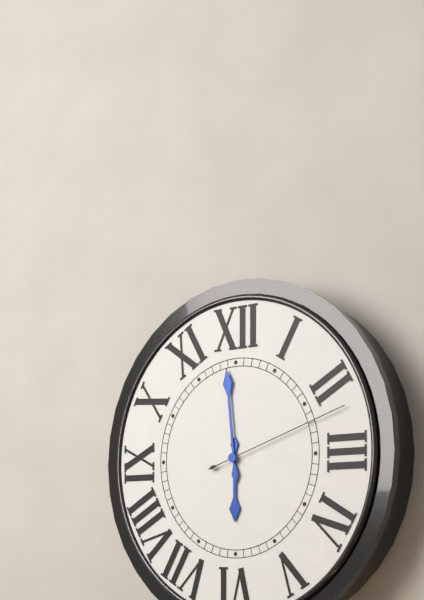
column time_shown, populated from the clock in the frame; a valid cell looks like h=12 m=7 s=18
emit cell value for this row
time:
h=5 m=59 s=12
